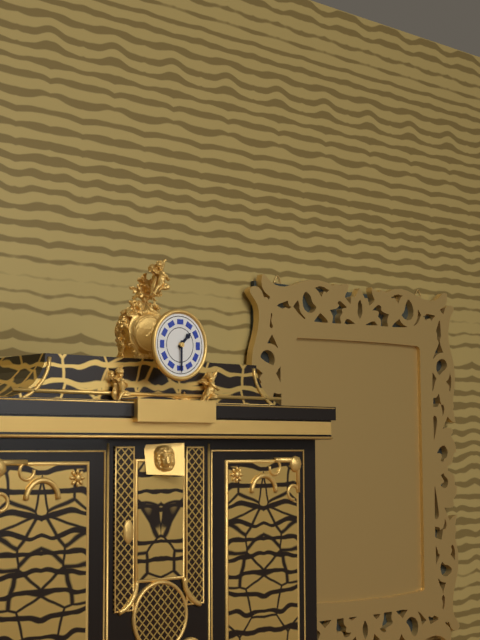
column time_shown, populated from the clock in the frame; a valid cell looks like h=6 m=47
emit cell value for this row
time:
h=1 m=30
